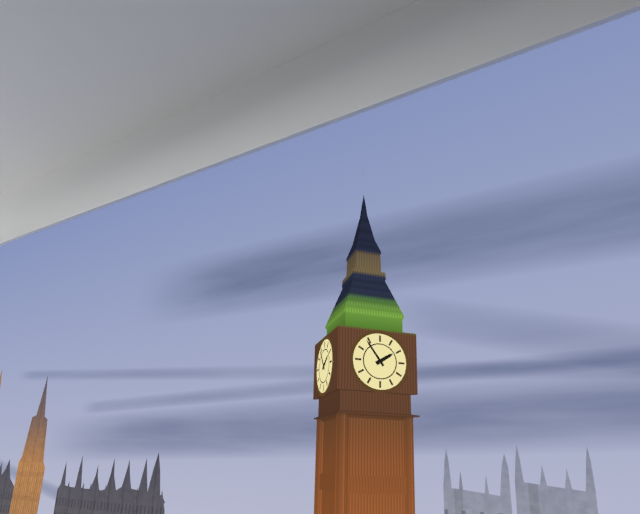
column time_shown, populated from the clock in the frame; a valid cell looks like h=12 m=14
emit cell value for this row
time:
h=1 m=54
